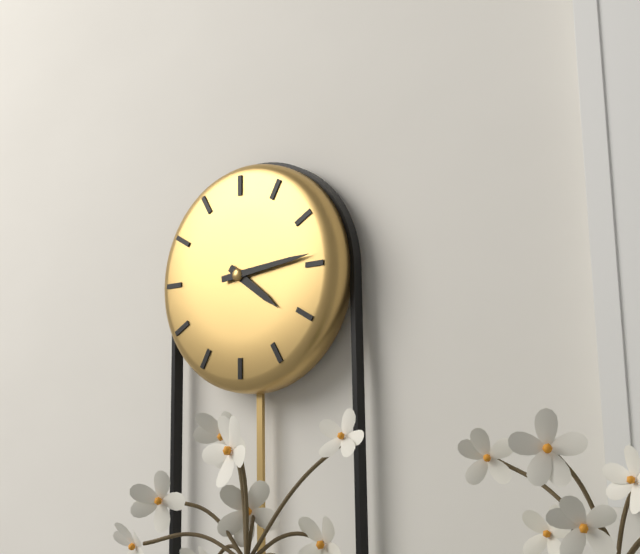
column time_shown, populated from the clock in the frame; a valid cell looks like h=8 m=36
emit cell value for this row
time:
h=4 m=14
